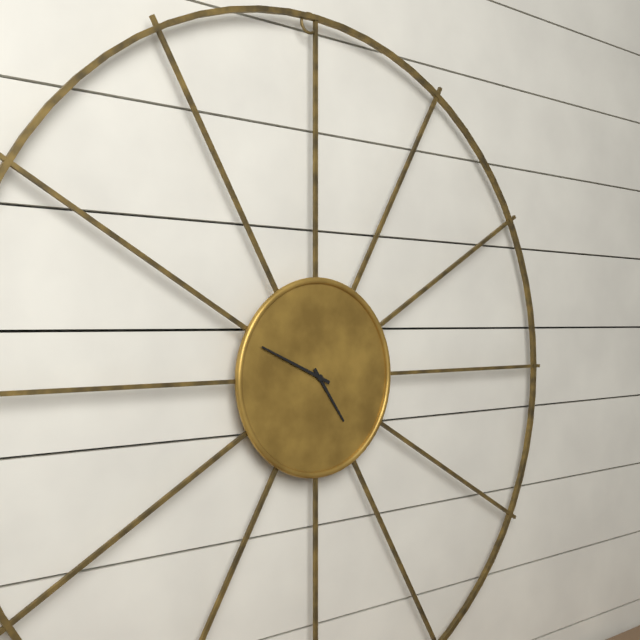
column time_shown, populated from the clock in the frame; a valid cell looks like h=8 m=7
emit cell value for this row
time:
h=4 m=49
